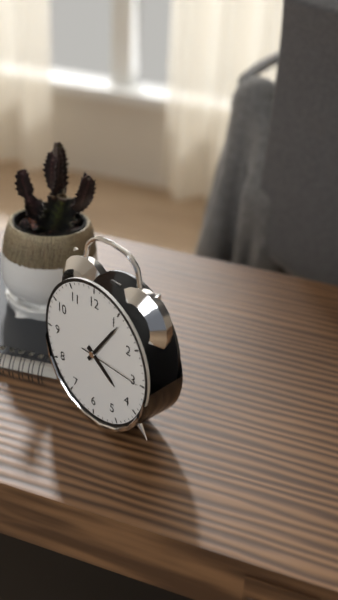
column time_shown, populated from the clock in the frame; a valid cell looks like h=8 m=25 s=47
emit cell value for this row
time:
h=4 m=6 s=15
